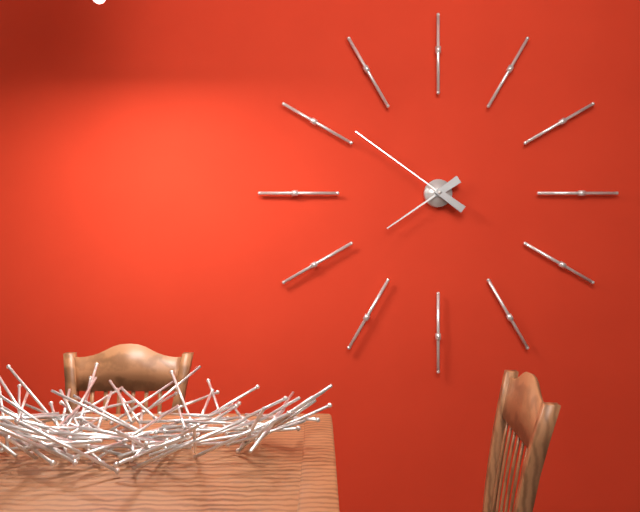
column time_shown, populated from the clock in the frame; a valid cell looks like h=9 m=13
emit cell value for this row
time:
h=7 m=51
